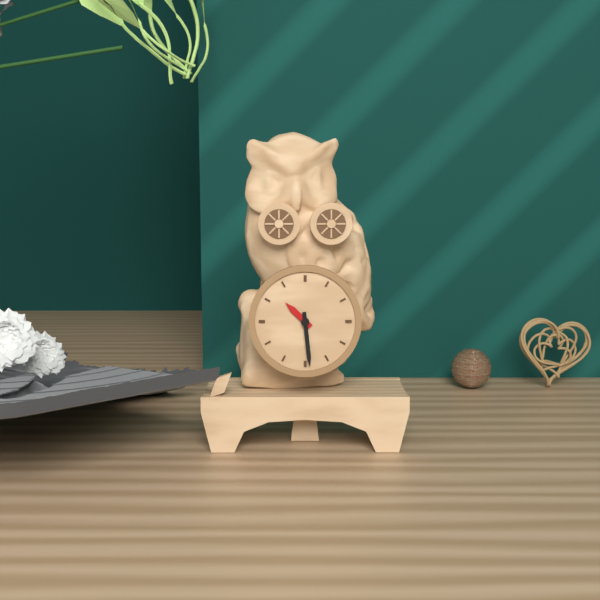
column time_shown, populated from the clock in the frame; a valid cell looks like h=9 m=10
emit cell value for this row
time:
h=10 m=29
